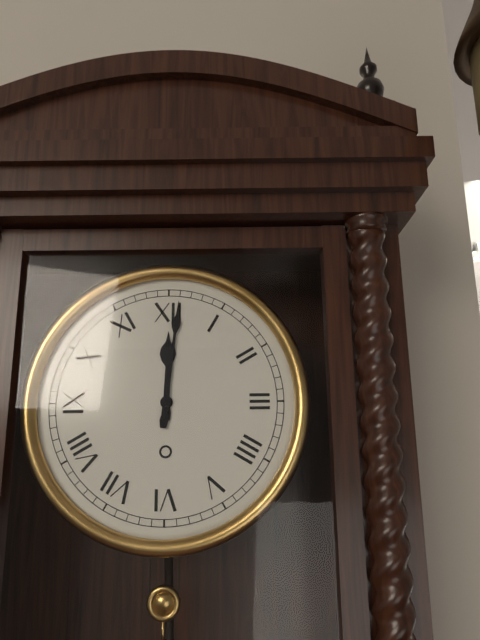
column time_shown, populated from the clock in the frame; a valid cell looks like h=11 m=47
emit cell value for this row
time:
h=12 m=1
